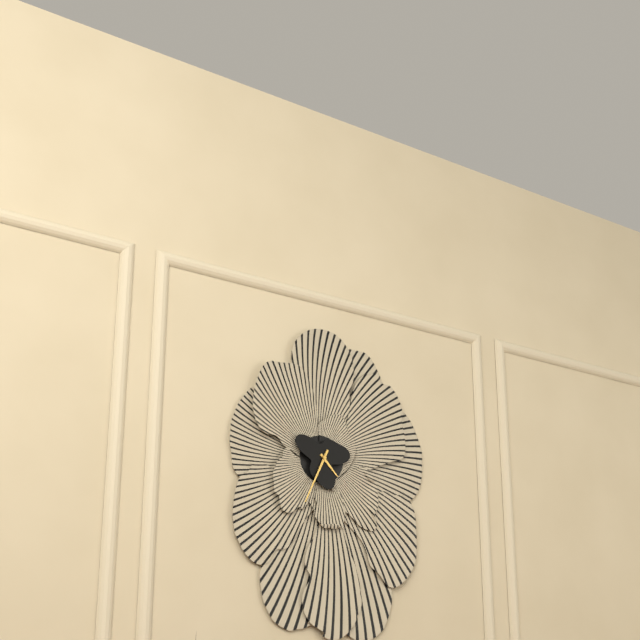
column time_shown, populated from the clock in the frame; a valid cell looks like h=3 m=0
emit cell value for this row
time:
h=4 m=34
